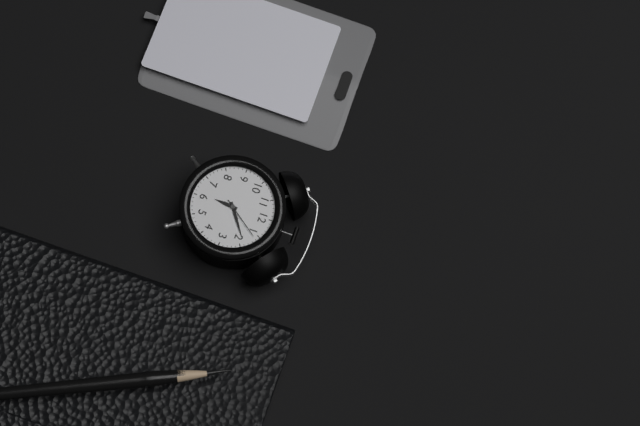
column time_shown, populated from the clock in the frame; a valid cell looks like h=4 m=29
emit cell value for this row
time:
h=6 m=9
